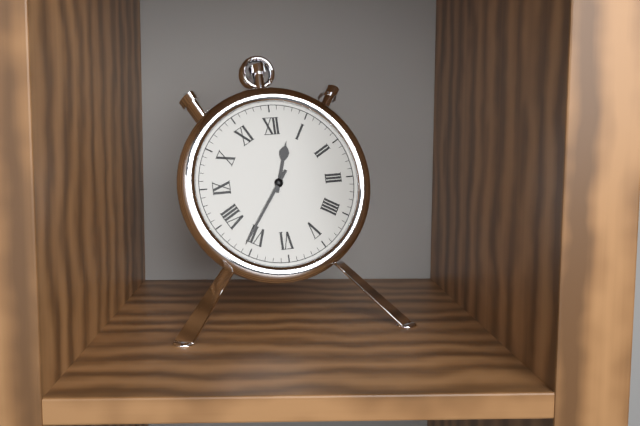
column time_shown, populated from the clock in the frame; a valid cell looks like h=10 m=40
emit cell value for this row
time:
h=12 m=36
